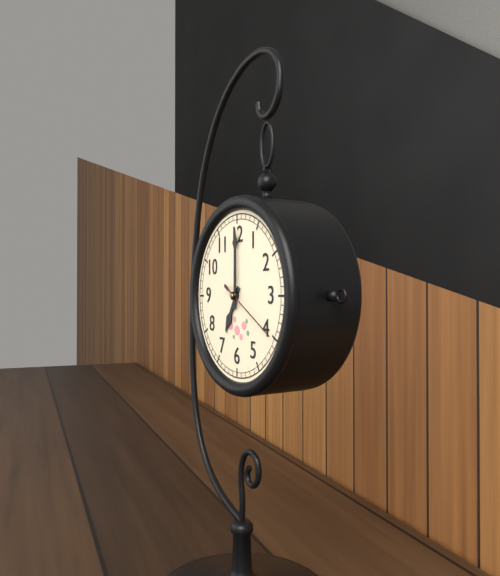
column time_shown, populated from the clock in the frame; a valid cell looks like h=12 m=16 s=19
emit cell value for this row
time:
h=7 m=0 s=20
